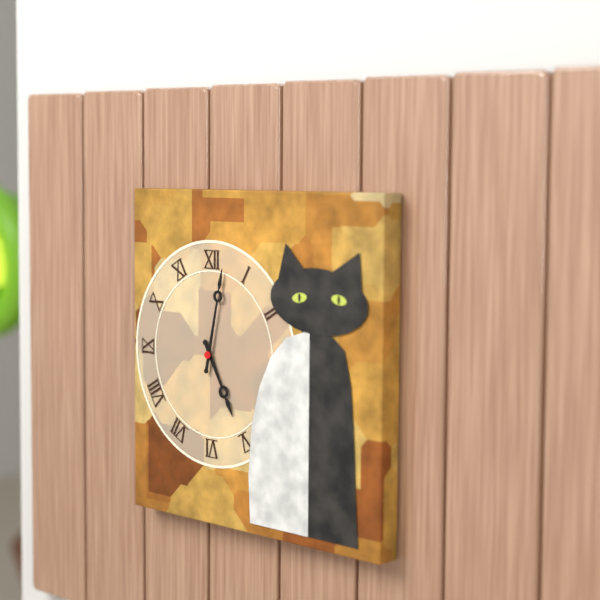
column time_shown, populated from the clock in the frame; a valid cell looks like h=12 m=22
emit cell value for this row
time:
h=5 m=2
